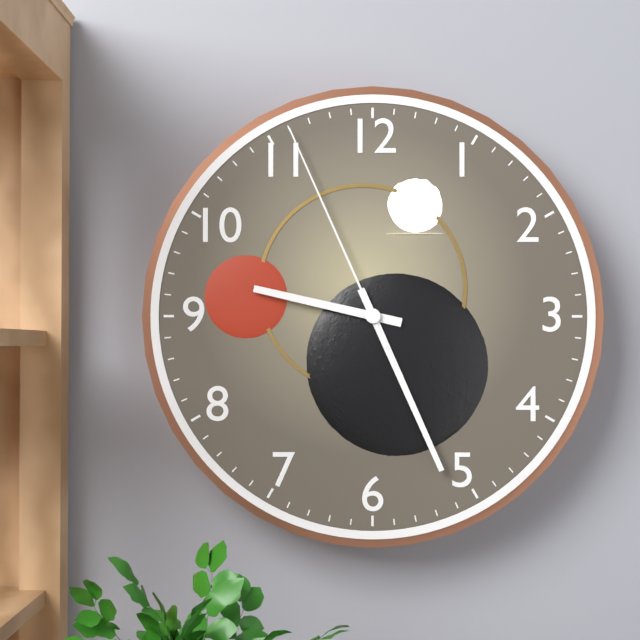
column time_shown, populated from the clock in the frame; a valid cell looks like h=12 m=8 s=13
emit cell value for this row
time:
h=9 m=26 s=56
